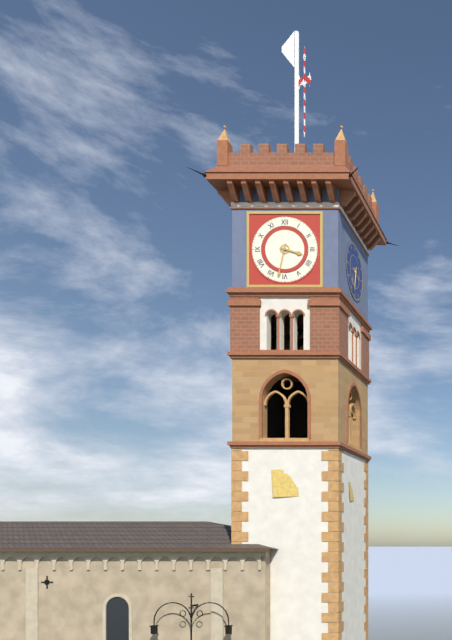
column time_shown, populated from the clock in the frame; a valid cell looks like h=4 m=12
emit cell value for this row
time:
h=3 m=32
